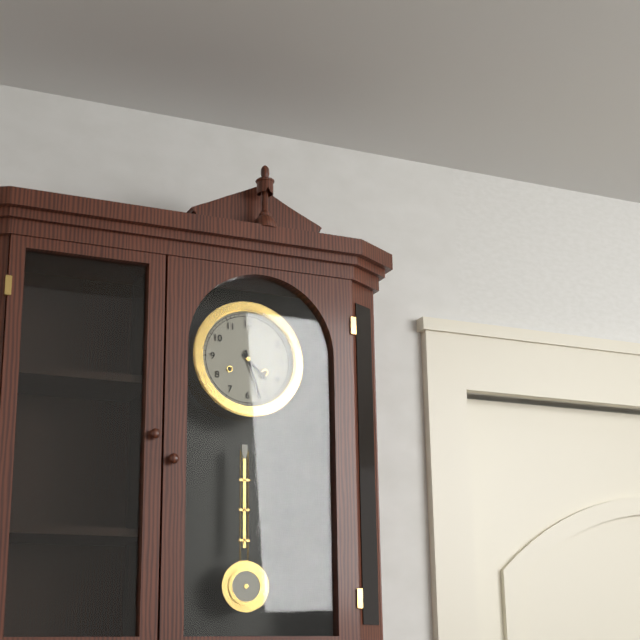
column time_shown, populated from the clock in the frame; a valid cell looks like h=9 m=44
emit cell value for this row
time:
h=4 m=27
